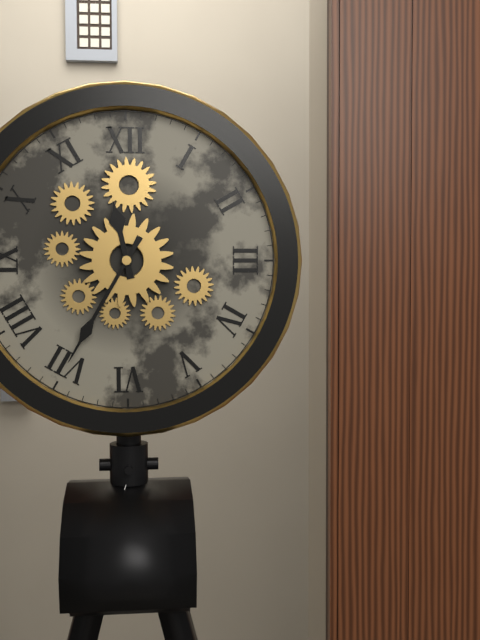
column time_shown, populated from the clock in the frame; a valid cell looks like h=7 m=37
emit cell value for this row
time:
h=11 m=35
